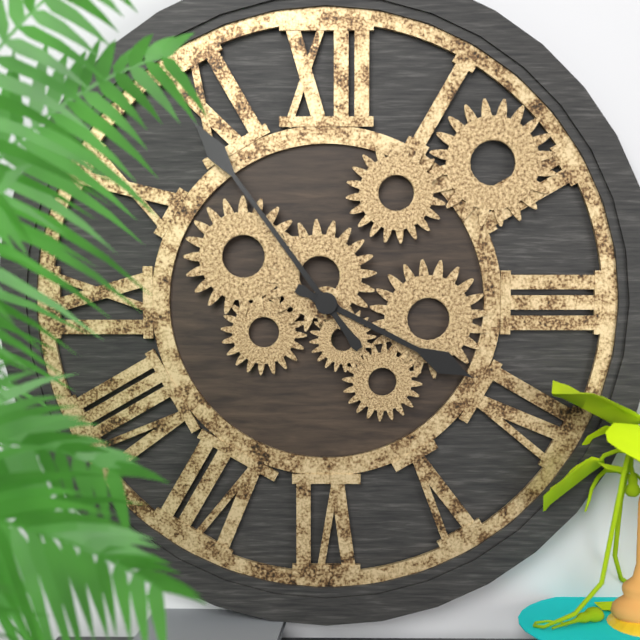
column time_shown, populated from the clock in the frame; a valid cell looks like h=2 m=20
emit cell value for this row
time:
h=3 m=54
